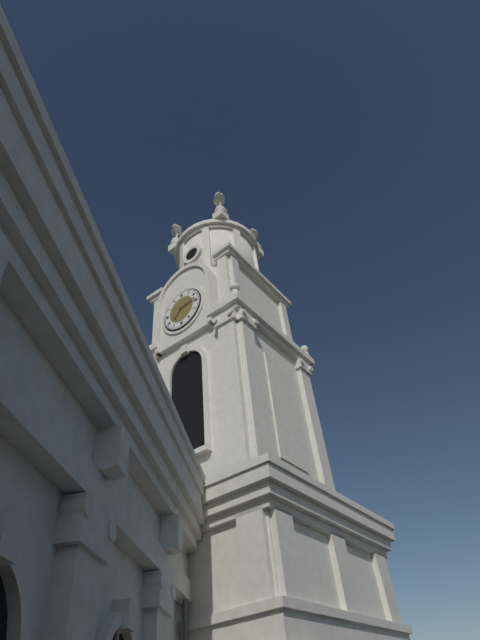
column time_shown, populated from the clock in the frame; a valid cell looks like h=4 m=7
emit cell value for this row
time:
h=7 m=14
